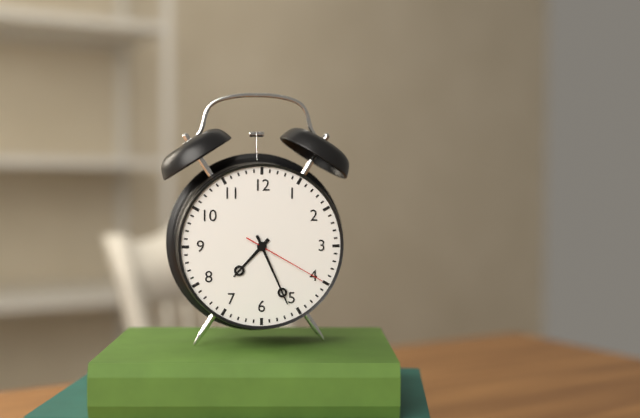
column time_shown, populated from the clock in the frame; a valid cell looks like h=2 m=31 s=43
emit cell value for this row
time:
h=7 m=26 s=20
